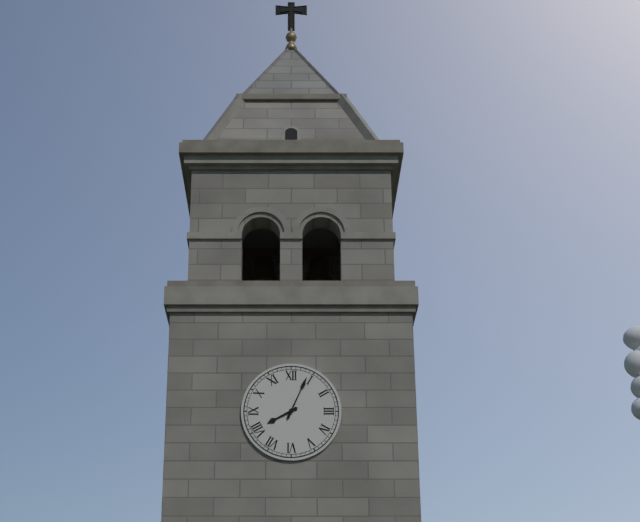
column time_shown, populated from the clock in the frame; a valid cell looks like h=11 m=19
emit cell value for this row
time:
h=8 m=4
